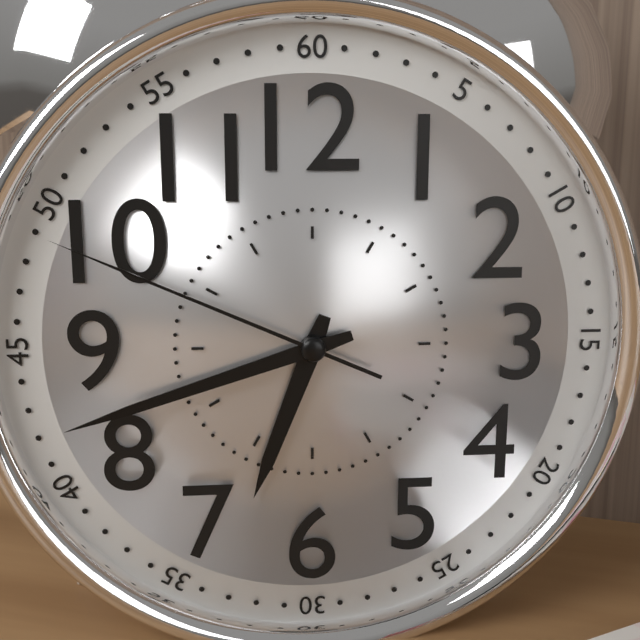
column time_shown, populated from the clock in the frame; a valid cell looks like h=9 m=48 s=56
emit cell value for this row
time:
h=6 m=42 s=49
